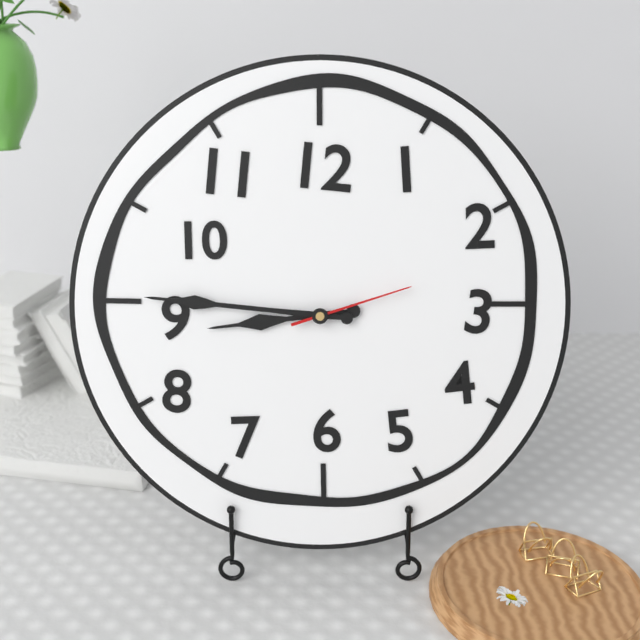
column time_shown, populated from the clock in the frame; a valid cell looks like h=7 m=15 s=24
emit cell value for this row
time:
h=8 m=46 s=12
